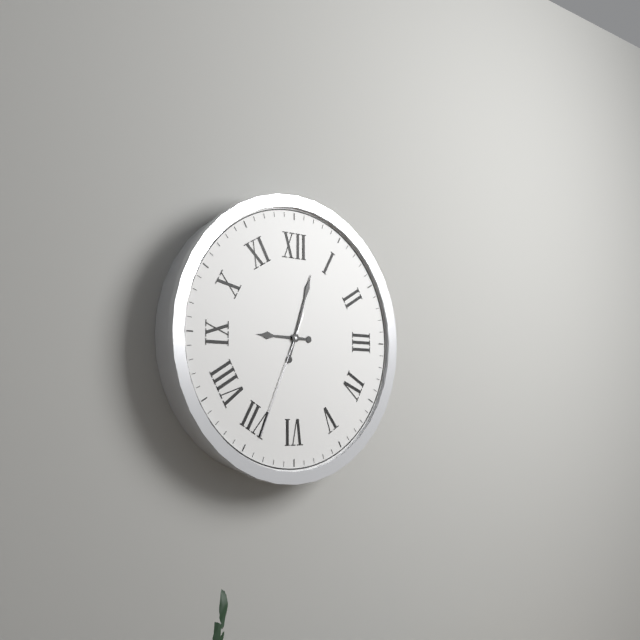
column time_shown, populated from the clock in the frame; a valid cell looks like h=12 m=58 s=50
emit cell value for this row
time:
h=9 m=3 s=34
